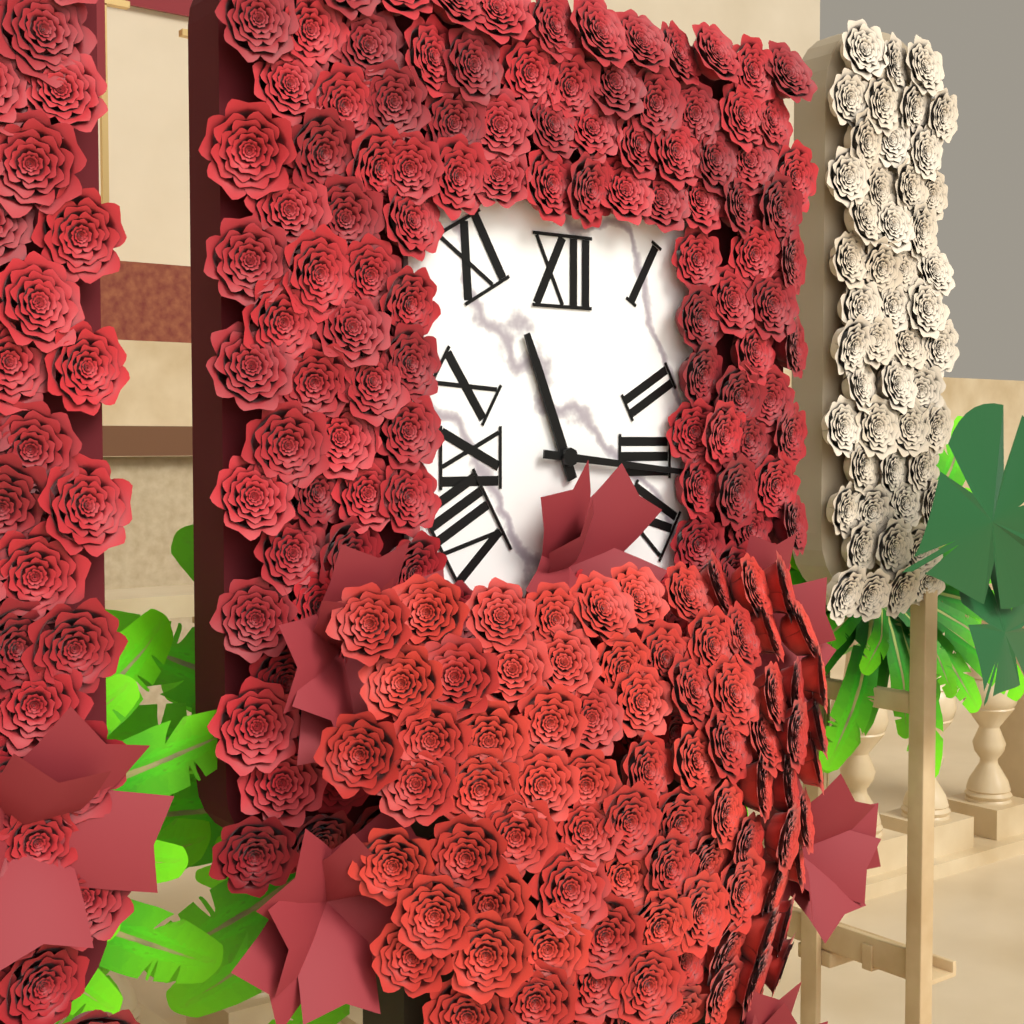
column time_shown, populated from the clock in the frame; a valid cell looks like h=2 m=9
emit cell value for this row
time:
h=11 m=16
